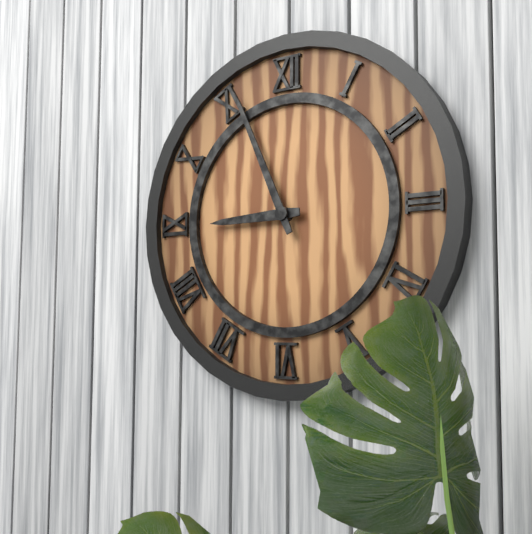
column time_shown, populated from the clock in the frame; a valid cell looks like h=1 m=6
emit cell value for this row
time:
h=8 m=56
